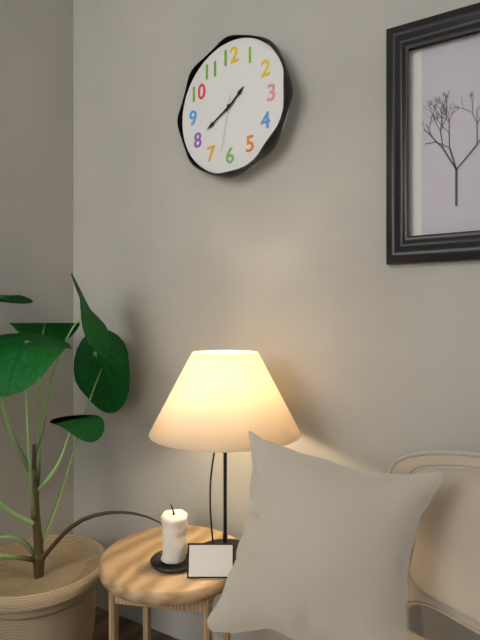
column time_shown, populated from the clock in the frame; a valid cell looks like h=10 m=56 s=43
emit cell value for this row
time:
h=1 m=40 s=32
